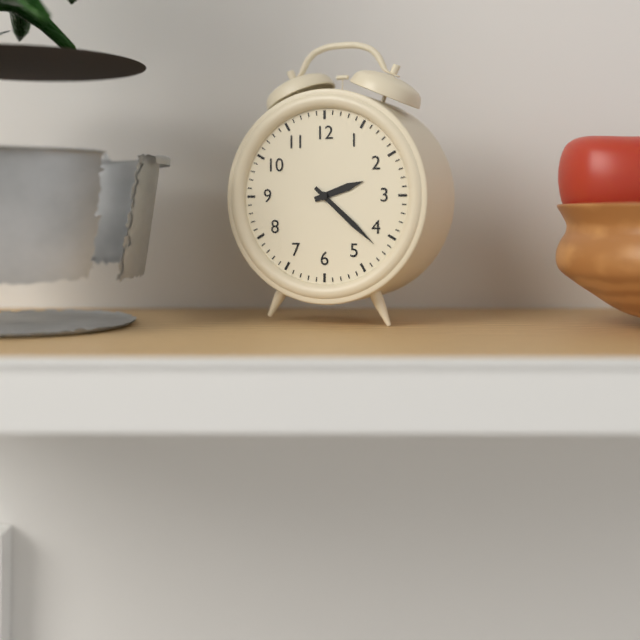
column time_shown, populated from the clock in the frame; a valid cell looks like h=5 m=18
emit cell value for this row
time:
h=2 m=22
